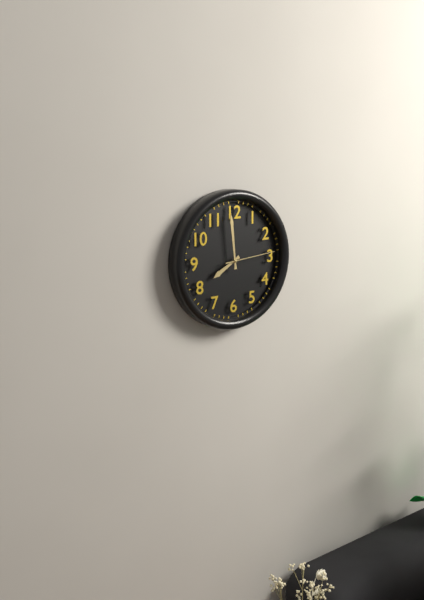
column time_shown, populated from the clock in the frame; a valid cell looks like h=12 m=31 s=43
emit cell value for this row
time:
h=7 m=59 s=14
